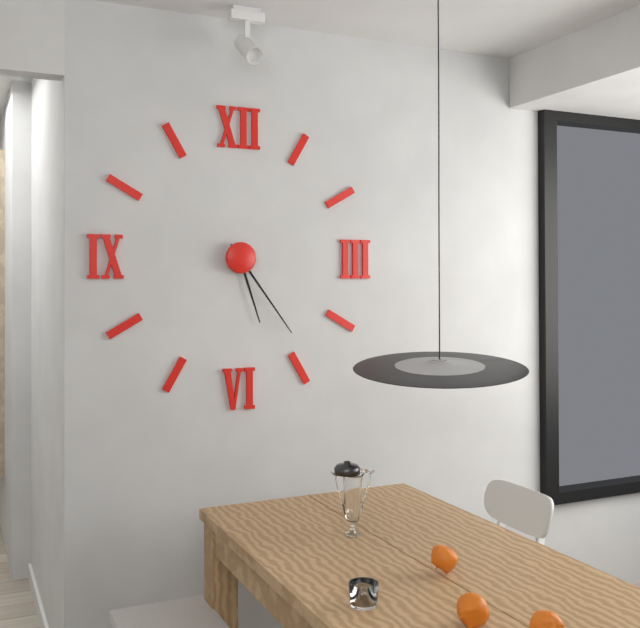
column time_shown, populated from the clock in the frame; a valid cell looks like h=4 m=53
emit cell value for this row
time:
h=5 m=24
